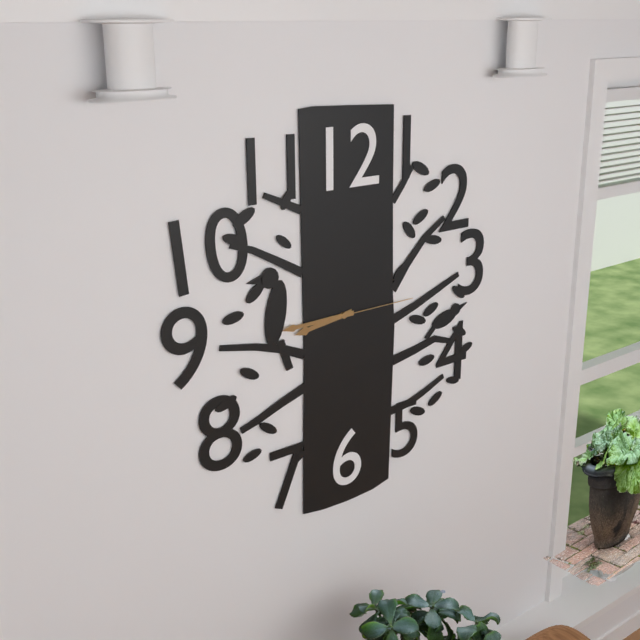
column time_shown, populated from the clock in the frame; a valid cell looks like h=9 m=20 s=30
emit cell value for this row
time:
h=8 m=45 s=15
